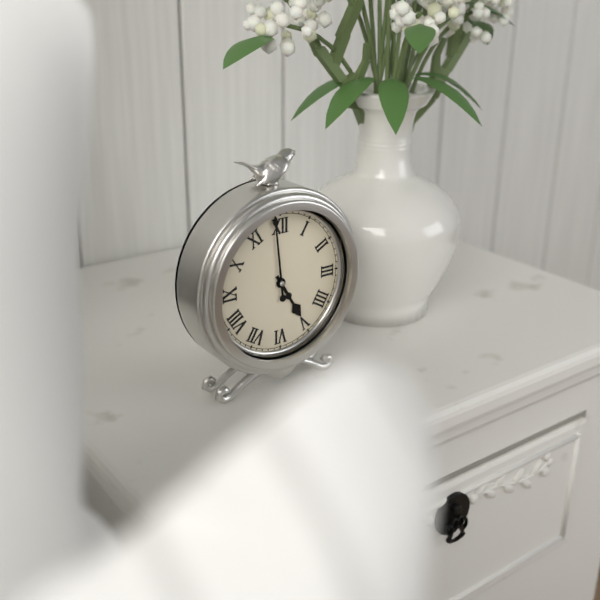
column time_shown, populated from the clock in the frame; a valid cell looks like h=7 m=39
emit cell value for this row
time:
h=4 m=59
